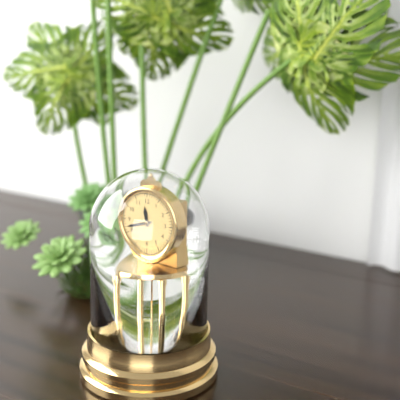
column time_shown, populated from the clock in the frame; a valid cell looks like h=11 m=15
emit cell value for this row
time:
h=11 m=42
